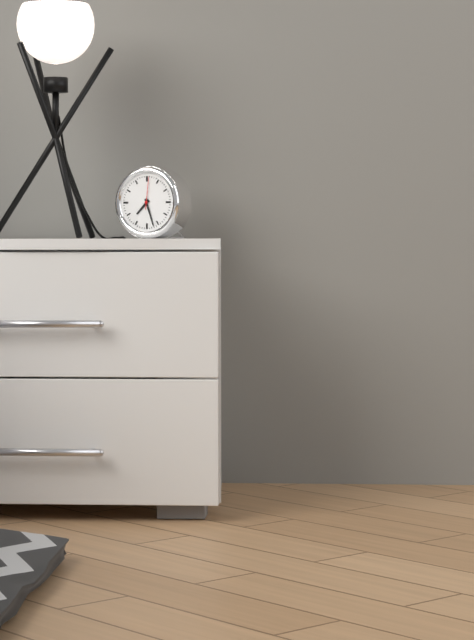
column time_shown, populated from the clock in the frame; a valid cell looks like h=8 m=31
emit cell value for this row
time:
h=7 m=27
